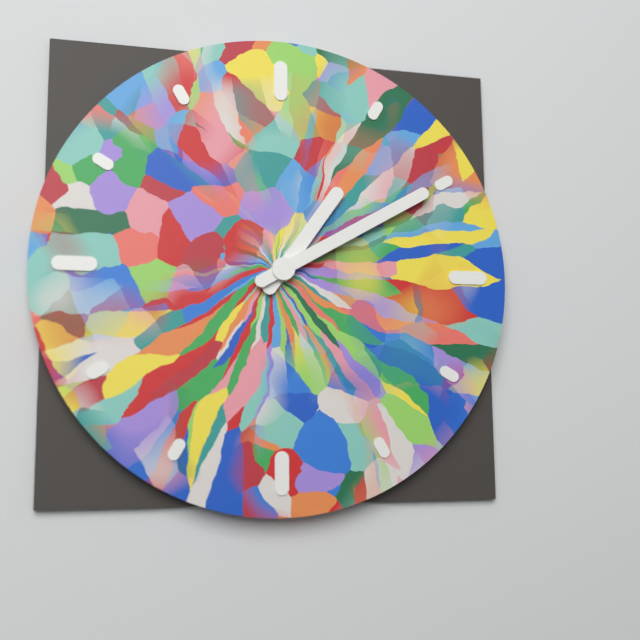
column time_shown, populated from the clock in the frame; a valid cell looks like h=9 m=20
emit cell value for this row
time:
h=1 m=10
